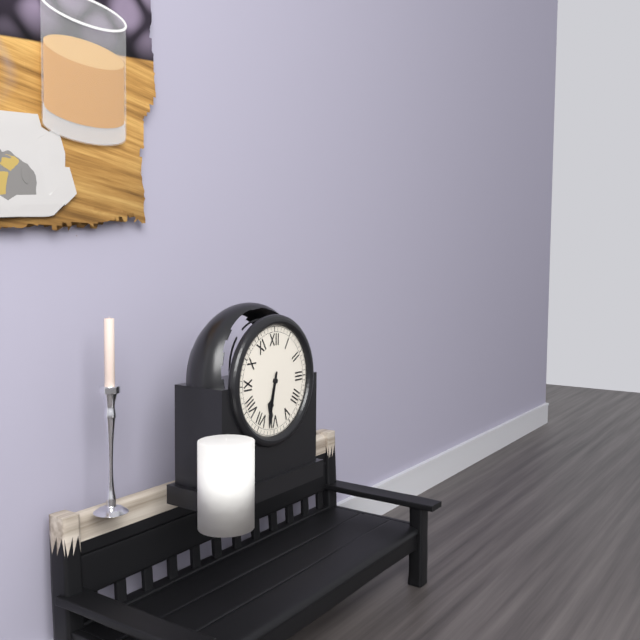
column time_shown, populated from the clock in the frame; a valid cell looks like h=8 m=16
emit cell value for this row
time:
h=6 m=32
